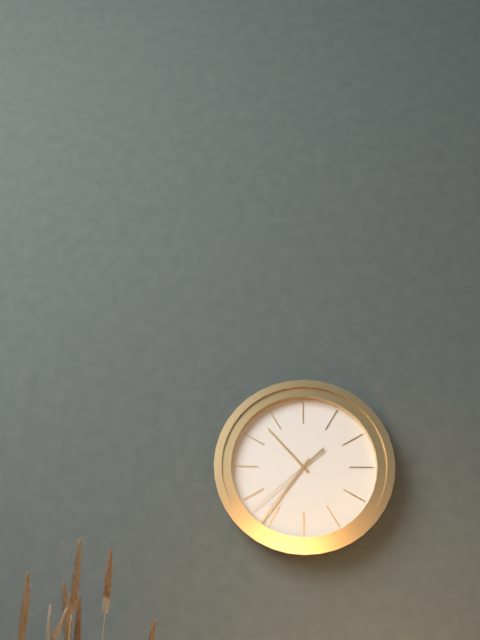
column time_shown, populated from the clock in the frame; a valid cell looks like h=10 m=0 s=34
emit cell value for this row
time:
h=10 m=36 s=38
